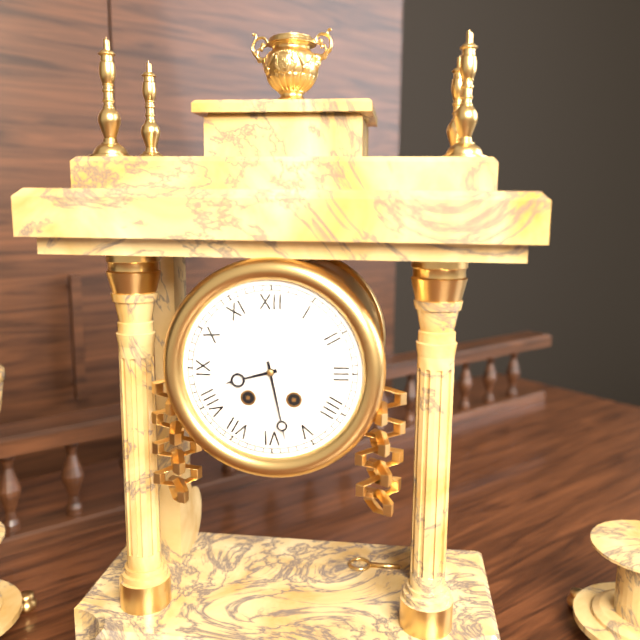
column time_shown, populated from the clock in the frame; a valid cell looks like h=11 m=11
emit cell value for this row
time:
h=8 m=28
